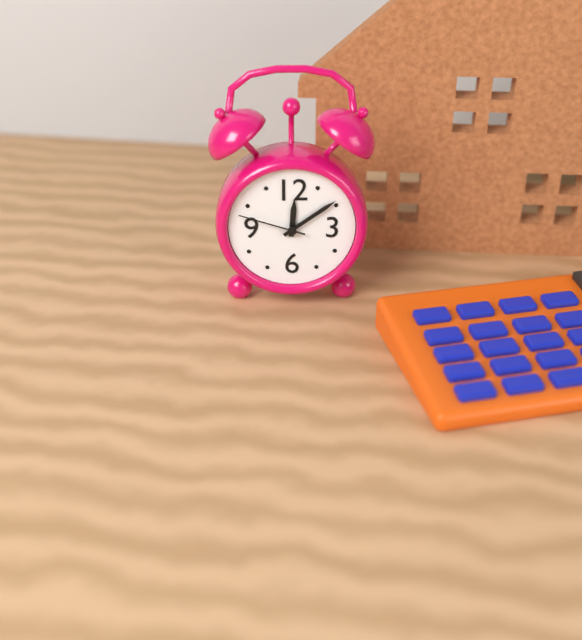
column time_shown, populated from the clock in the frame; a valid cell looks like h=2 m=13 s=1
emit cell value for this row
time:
h=12 m=9 s=48
